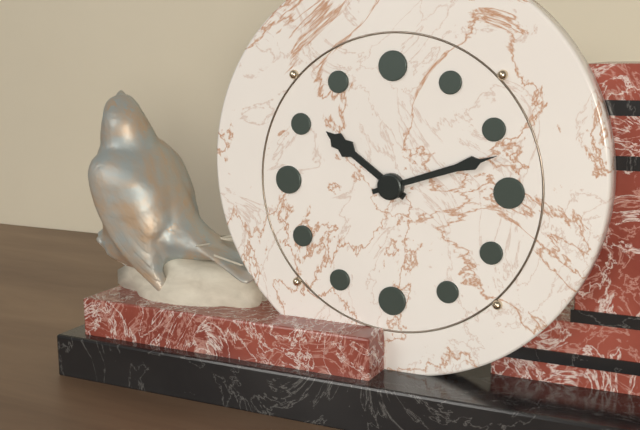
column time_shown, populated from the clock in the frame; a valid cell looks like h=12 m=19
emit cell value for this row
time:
h=10 m=12
